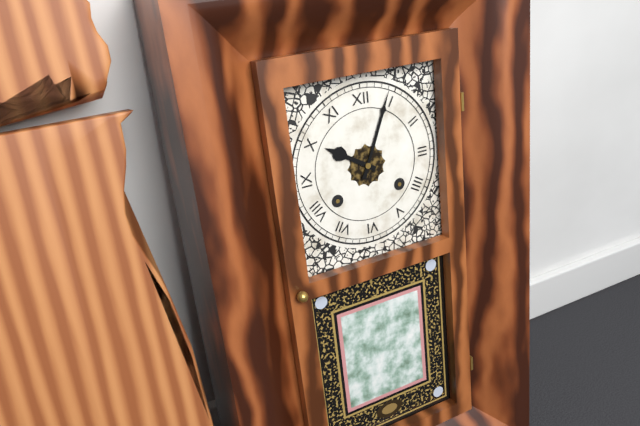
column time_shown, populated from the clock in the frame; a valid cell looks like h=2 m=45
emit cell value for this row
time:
h=10 m=4
